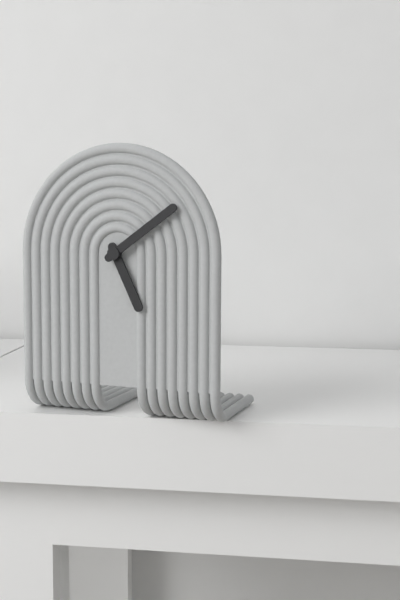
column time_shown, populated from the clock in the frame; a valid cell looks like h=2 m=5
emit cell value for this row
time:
h=5 m=9
